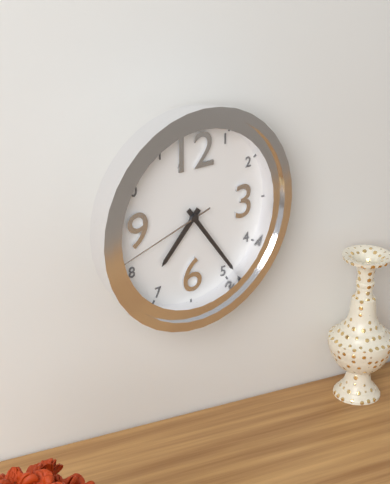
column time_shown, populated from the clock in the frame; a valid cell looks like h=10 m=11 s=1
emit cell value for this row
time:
h=7 m=24 s=42
